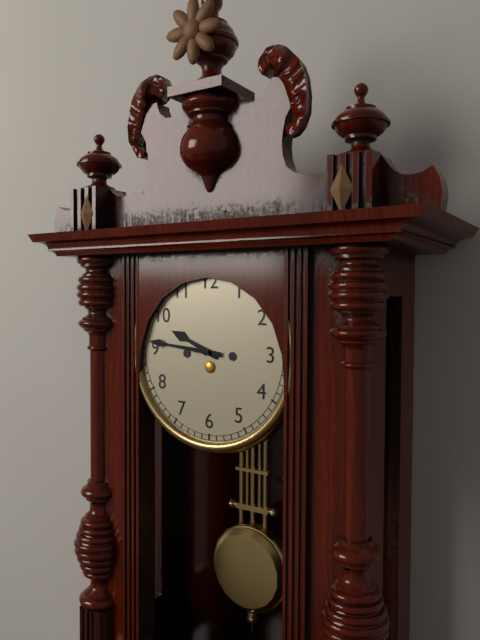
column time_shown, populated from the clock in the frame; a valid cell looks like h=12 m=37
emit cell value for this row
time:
h=9 m=46
